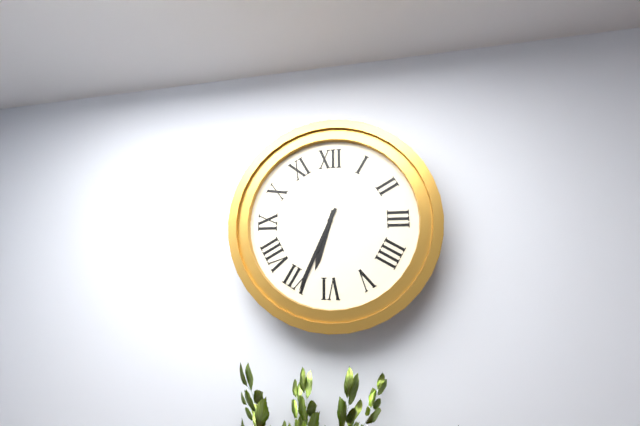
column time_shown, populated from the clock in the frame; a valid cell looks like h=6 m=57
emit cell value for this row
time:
h=6 m=34
